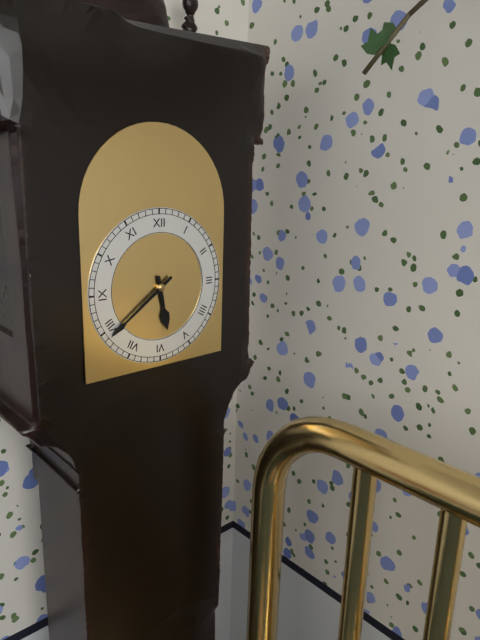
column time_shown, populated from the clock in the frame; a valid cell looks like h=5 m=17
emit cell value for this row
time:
h=5 m=39
